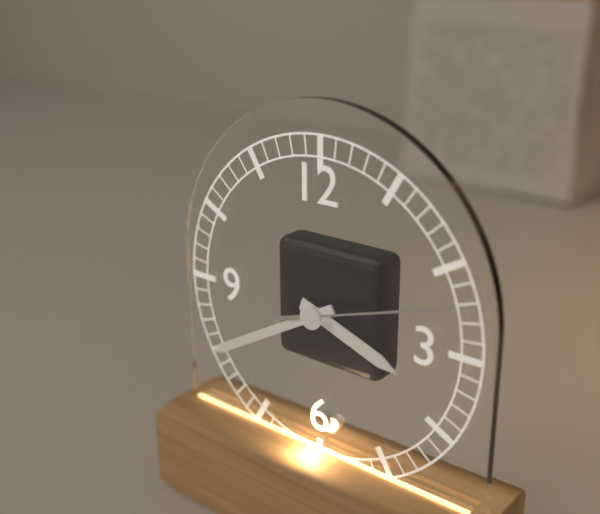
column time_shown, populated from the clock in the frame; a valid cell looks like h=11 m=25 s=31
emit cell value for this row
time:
h=3 m=40 s=12
